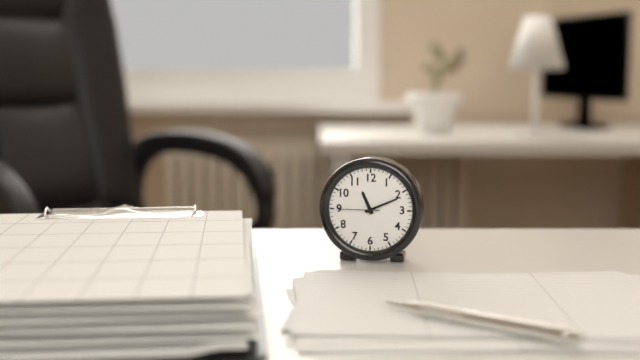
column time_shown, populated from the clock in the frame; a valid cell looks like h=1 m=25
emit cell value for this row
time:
h=11 m=11
